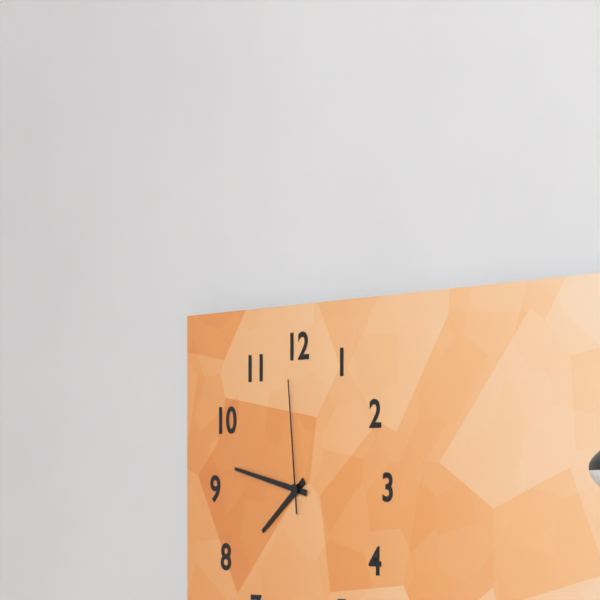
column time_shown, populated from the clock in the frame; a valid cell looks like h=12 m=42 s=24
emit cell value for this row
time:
h=7 m=47 s=59
